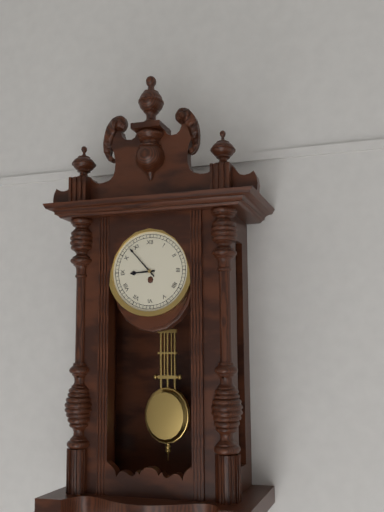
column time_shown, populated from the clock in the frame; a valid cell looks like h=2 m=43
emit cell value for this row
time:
h=8 m=53
